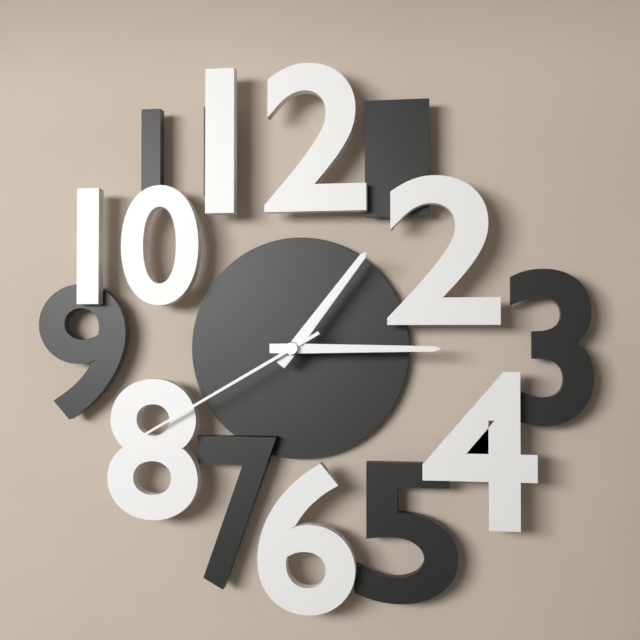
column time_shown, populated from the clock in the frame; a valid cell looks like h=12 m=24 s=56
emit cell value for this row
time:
h=1 m=15 s=40
